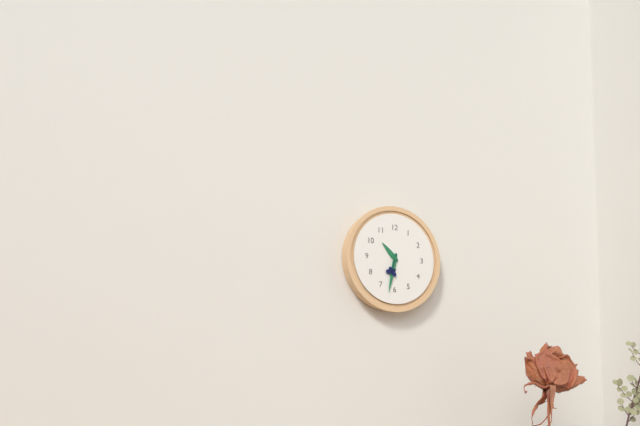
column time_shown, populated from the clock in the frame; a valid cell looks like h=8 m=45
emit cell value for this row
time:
h=10 m=32
